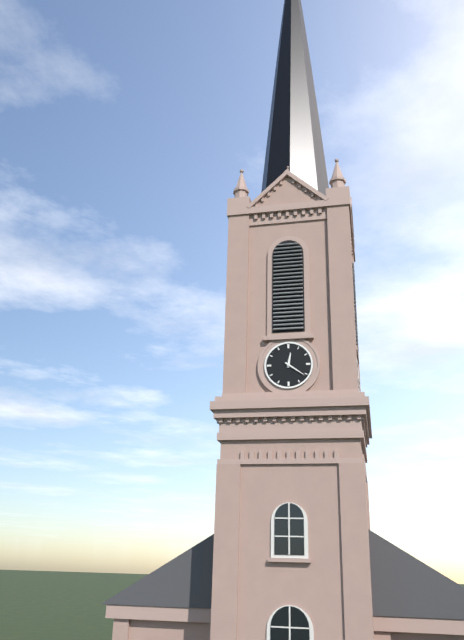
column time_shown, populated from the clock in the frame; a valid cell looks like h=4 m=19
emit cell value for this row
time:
h=12 m=21
